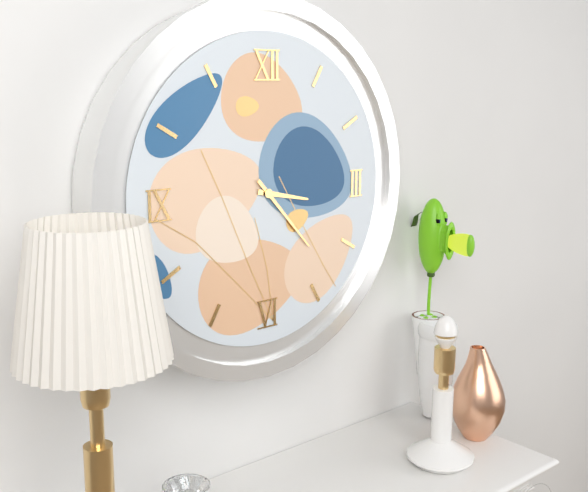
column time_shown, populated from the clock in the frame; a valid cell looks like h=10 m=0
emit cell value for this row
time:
h=3 m=23
